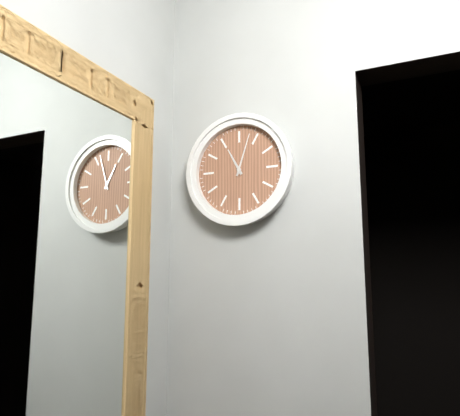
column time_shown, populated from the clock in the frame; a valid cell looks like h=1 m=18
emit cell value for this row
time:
h=11 m=3
